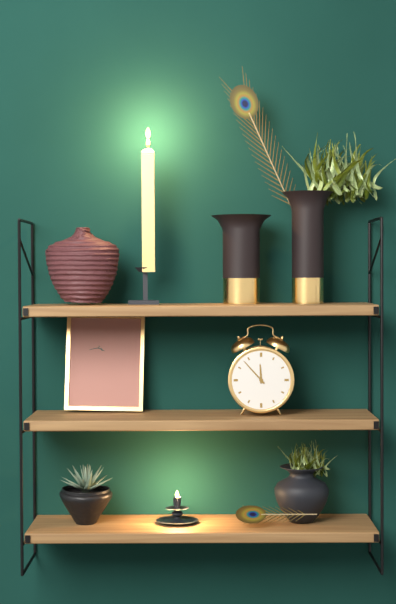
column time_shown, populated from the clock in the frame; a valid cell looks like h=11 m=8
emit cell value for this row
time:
h=11 m=53
